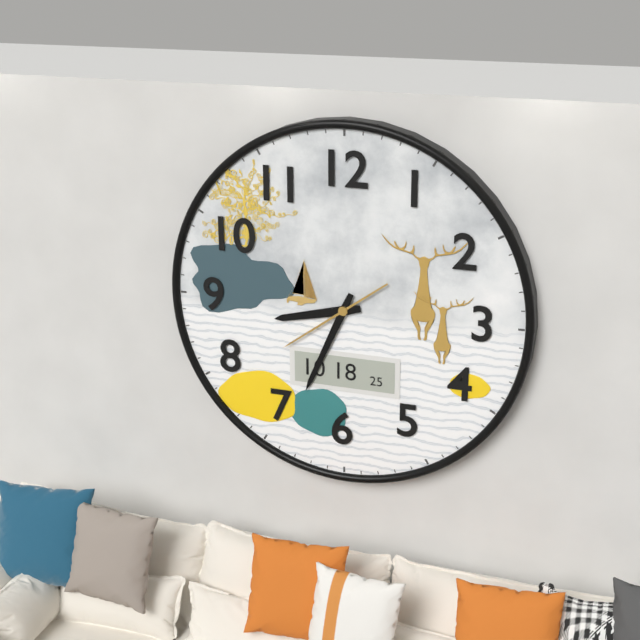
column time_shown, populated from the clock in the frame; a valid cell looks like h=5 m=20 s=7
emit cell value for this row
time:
h=8 m=34 s=39
